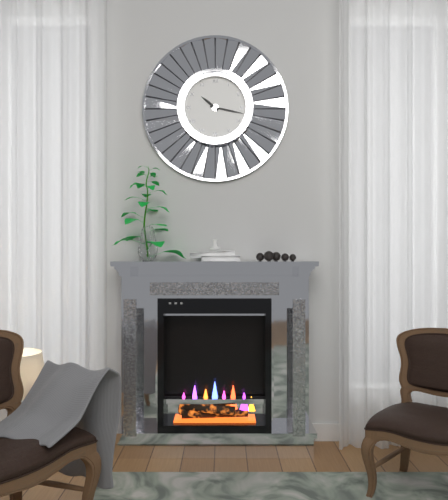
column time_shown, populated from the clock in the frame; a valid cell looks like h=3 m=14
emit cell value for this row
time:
h=10 m=17
